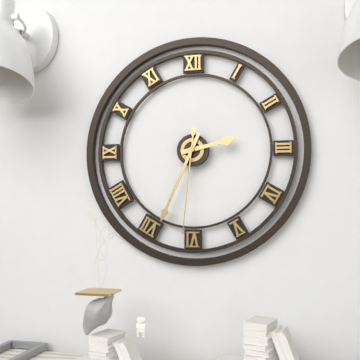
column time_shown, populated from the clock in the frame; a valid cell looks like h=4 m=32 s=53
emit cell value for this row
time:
h=2 m=34 s=31
